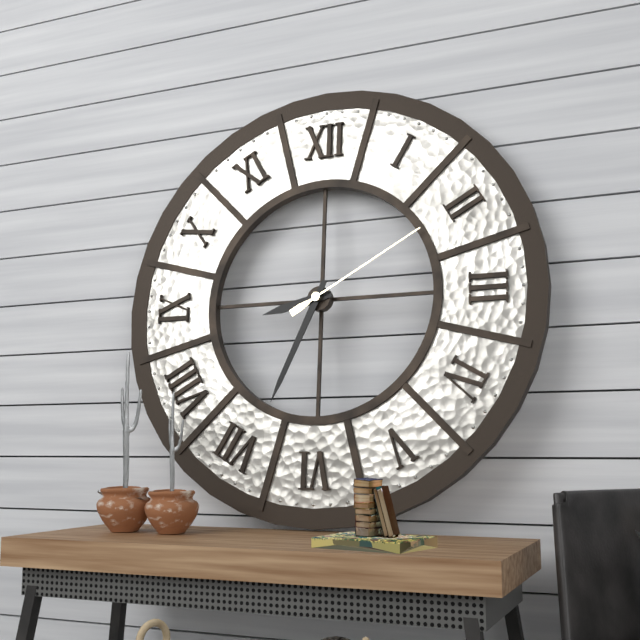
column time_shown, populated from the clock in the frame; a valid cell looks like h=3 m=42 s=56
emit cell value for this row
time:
h=8 m=34 s=10
